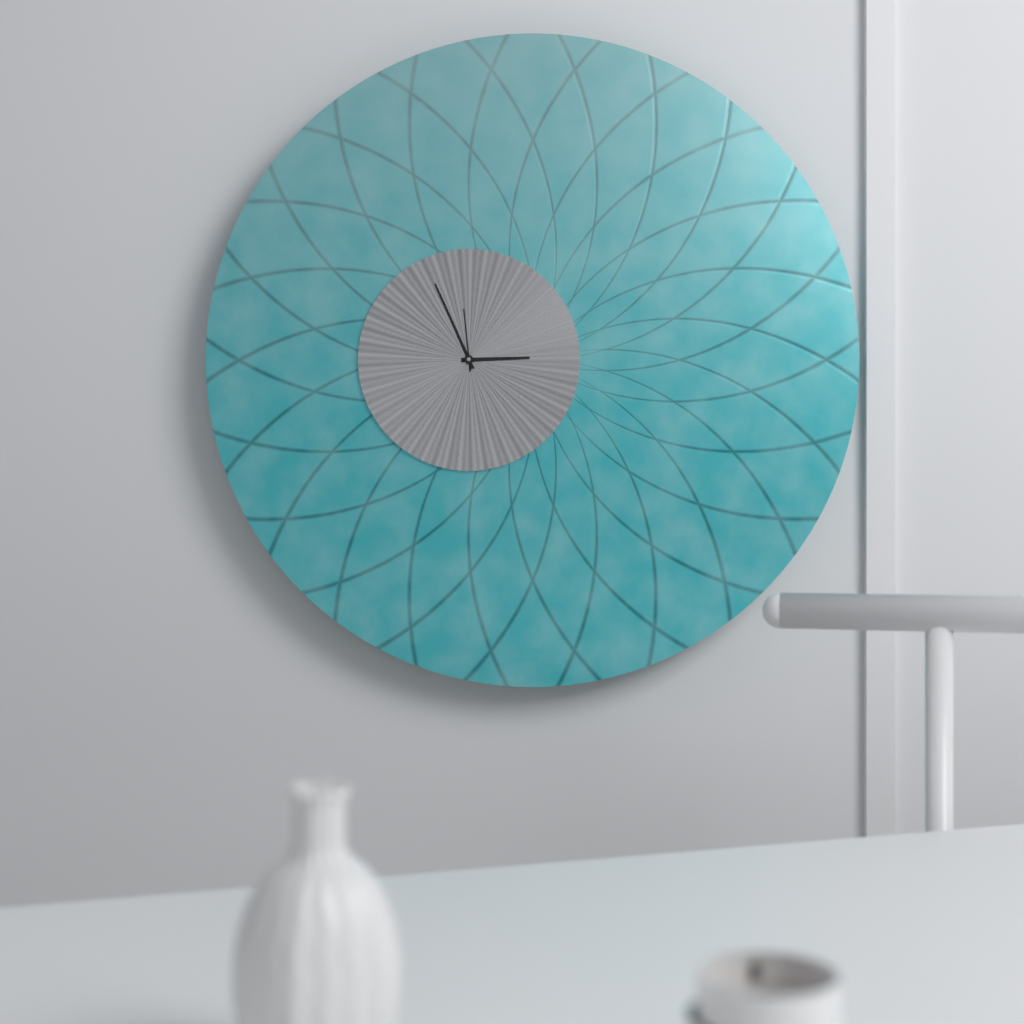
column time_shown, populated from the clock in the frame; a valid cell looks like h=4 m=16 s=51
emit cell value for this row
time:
h=2 m=56 s=59
